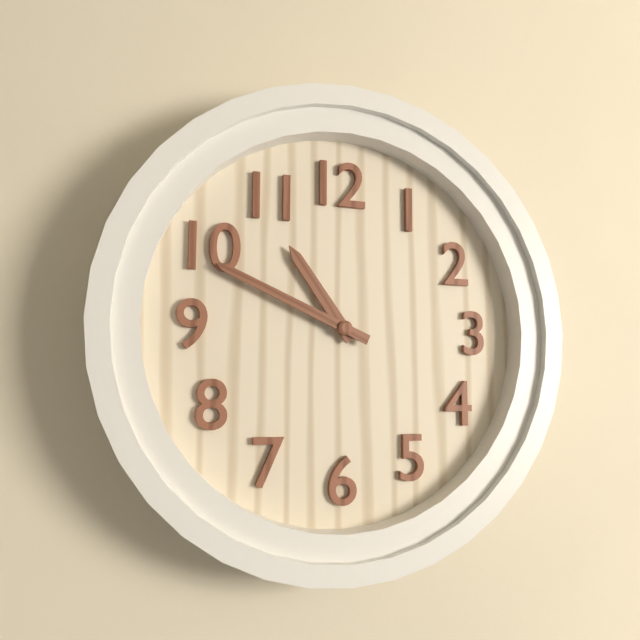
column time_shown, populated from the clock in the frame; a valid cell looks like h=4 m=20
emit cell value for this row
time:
h=10 m=49
